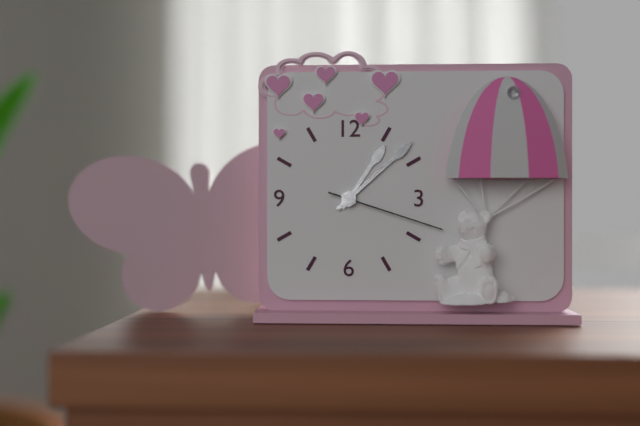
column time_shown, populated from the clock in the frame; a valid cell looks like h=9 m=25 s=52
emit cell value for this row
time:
h=1 m=8 s=18
